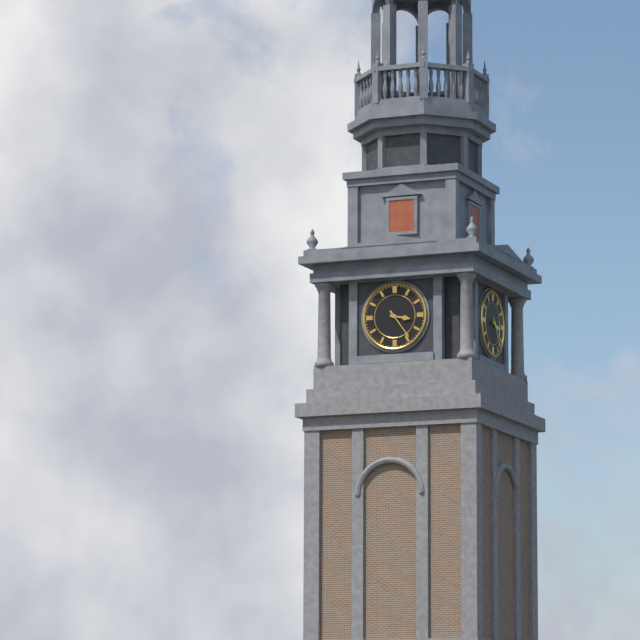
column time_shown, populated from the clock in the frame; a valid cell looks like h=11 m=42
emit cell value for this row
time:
h=3 m=24
